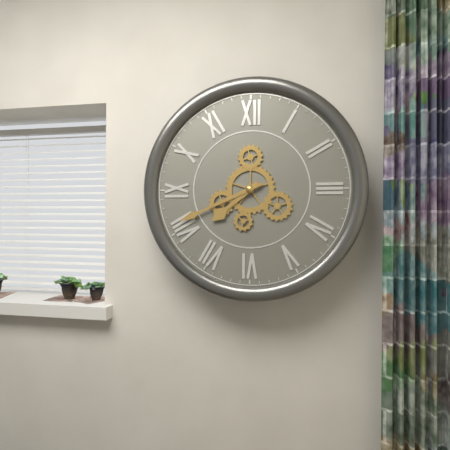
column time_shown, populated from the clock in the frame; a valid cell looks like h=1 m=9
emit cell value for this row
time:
h=7 m=41
